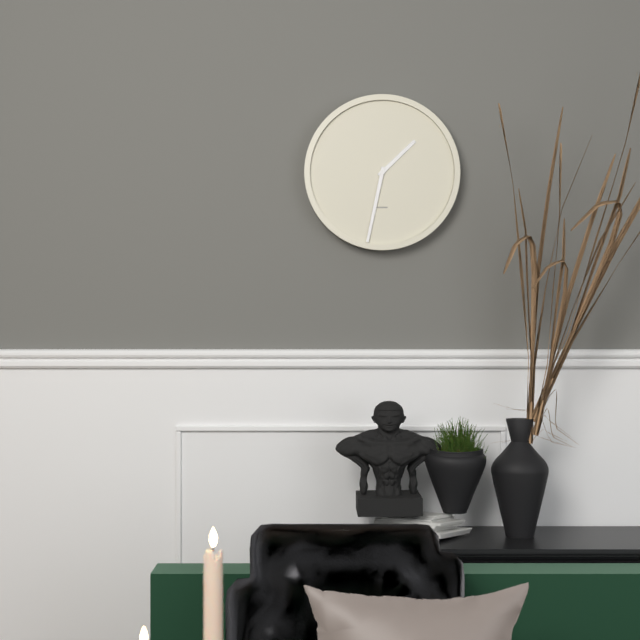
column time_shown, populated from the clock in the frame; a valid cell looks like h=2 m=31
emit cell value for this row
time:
h=1 m=32
